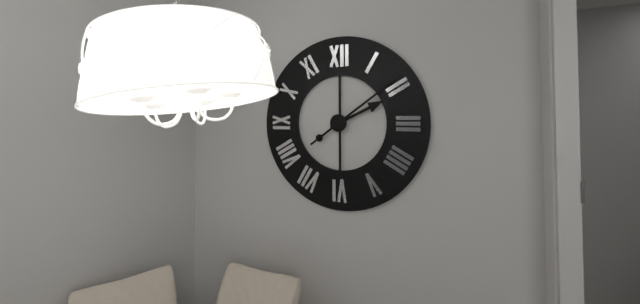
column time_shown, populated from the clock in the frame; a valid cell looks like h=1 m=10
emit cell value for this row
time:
h=2 m=9
